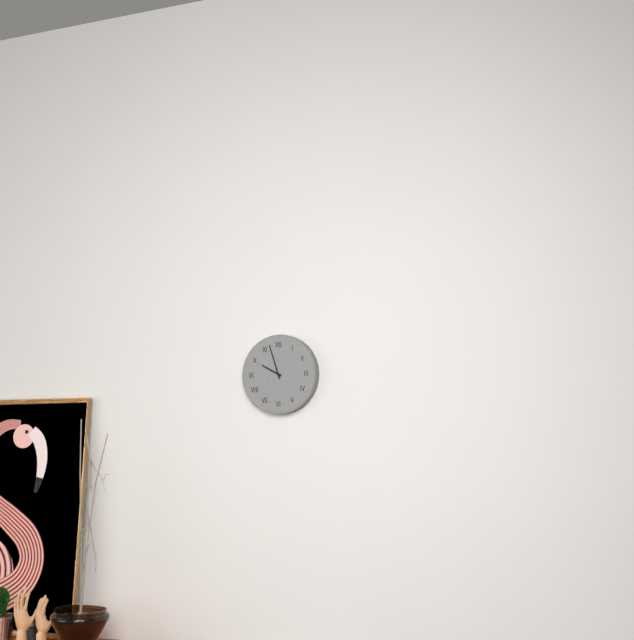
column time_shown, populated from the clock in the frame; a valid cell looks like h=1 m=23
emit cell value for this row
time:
h=9 m=57
